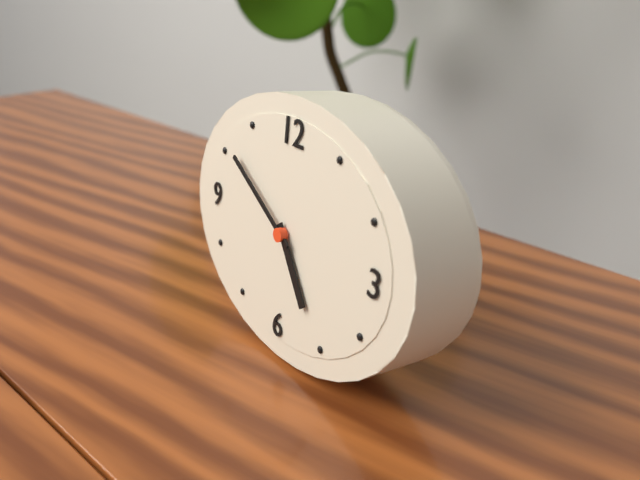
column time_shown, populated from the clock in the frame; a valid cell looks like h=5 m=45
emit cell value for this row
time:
h=4 m=50
